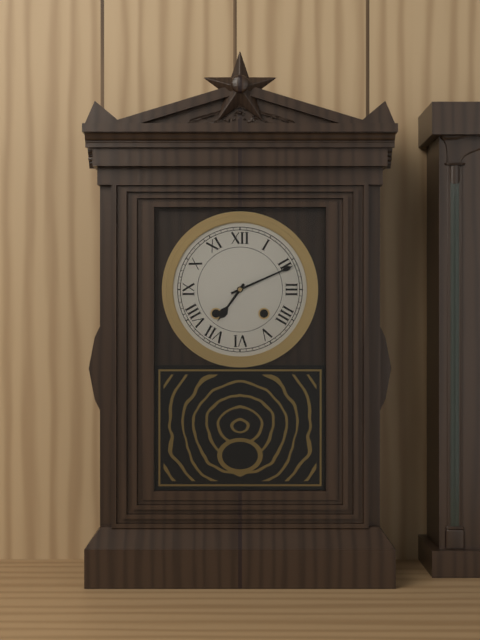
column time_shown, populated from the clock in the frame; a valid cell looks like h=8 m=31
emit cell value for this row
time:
h=7 m=11
